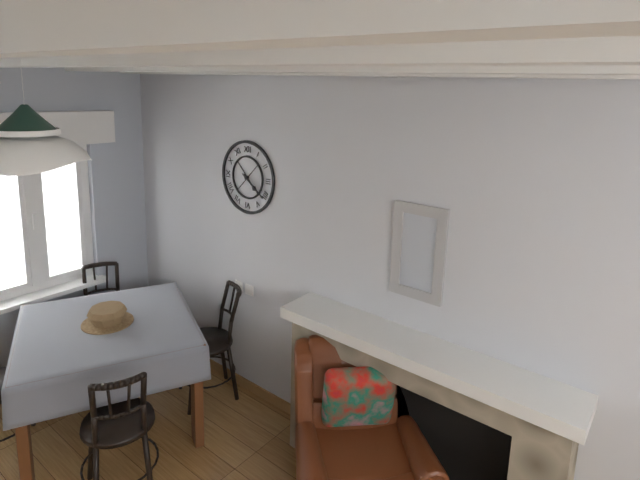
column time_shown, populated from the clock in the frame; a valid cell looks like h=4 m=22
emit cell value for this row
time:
h=4 m=21
